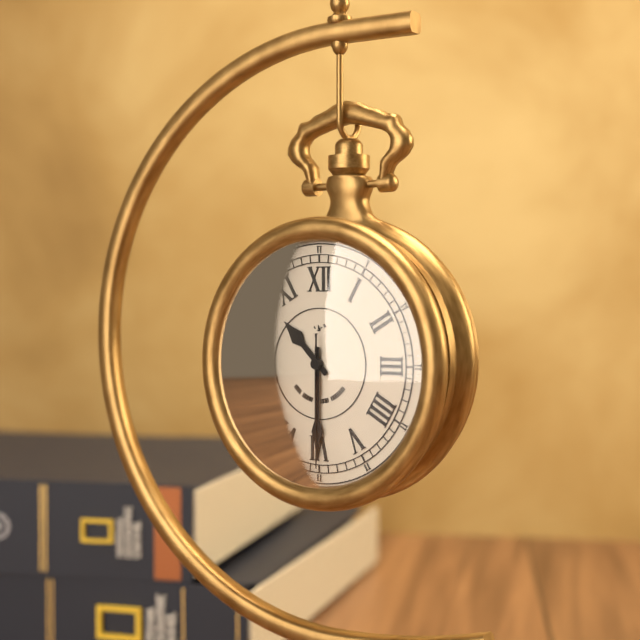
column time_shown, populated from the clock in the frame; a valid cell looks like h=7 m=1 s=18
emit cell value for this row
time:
h=10 m=30 s=30
